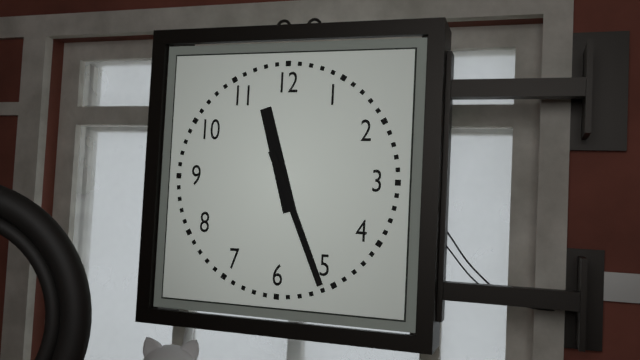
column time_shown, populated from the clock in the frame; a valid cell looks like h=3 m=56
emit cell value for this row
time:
h=11 m=26
